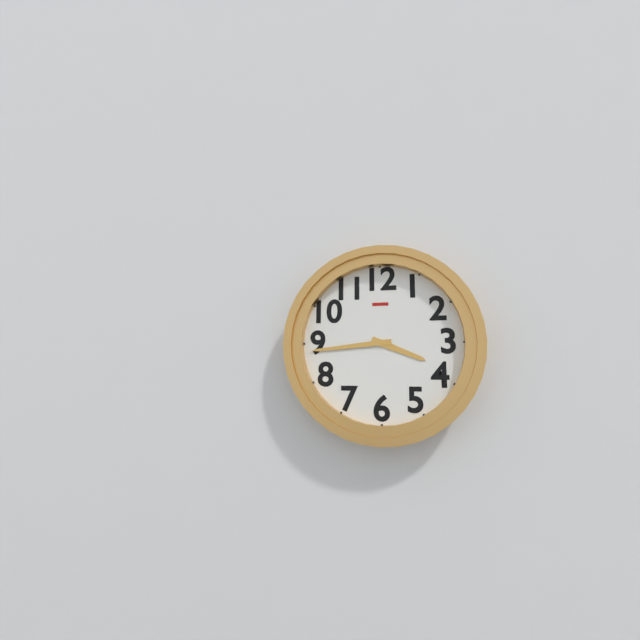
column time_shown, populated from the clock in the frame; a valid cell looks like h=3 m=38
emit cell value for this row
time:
h=3 m=44
